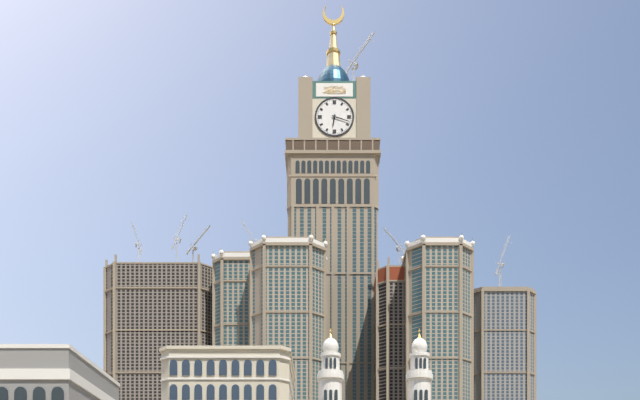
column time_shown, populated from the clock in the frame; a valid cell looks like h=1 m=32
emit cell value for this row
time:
h=6 m=18
